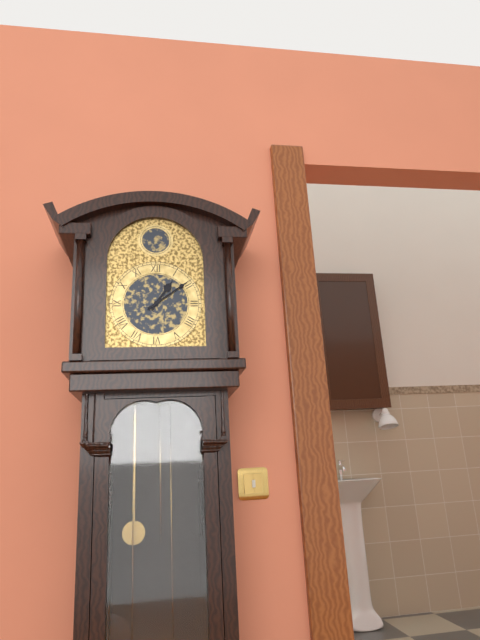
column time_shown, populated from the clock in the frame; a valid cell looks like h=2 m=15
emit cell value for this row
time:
h=1 m=9
